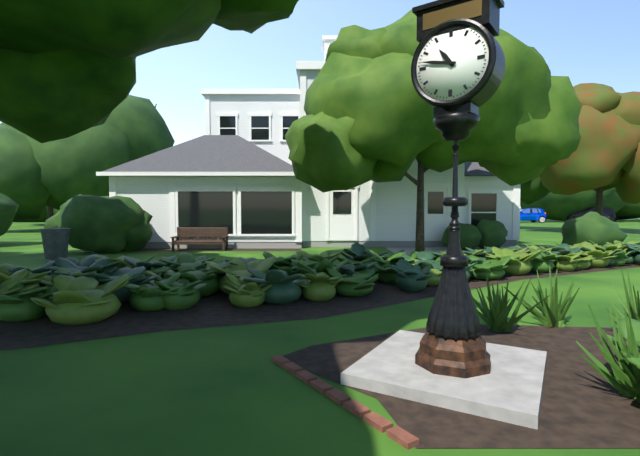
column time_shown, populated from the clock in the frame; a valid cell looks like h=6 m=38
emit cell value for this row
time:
h=10 m=47
